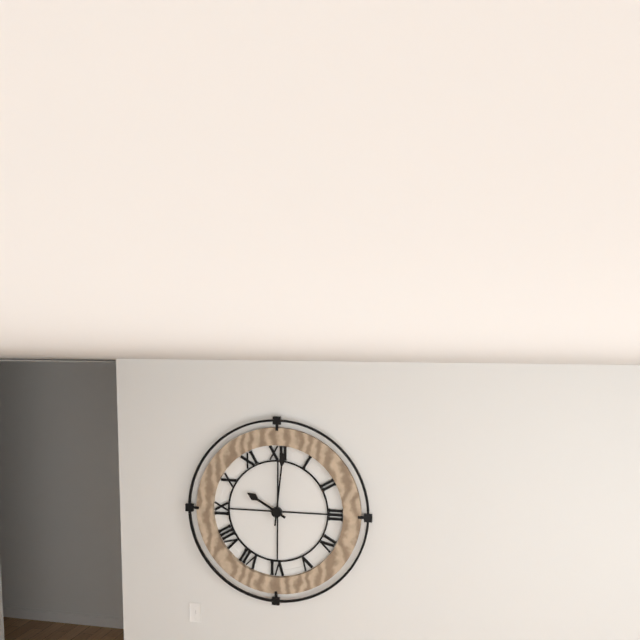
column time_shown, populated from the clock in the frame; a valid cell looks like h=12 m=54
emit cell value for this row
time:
h=10 m=1
